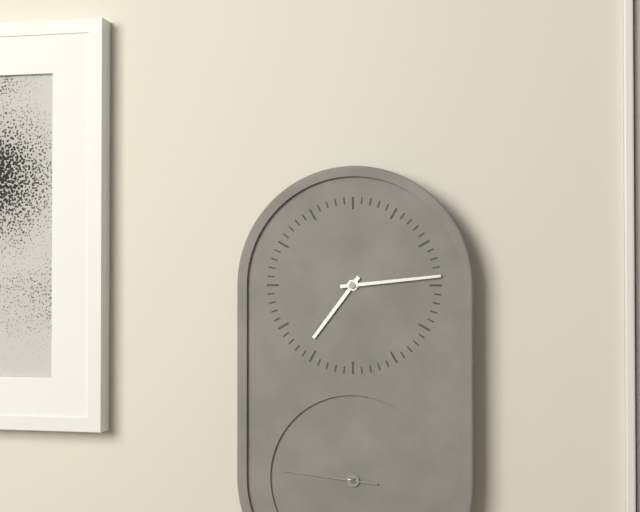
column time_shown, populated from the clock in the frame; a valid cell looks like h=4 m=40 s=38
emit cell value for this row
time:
h=7 m=14 s=46
